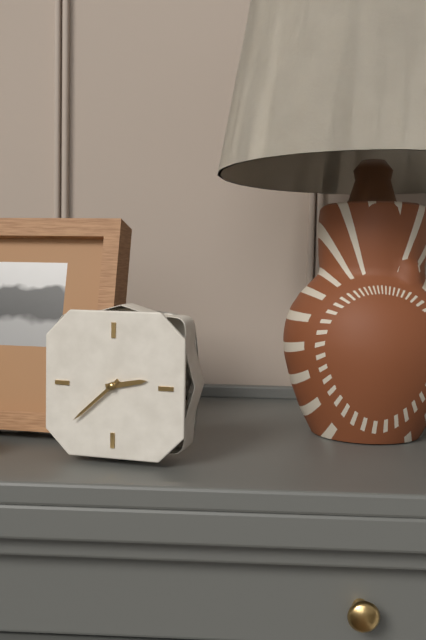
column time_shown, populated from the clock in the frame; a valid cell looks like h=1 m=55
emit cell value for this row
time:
h=2 m=38
